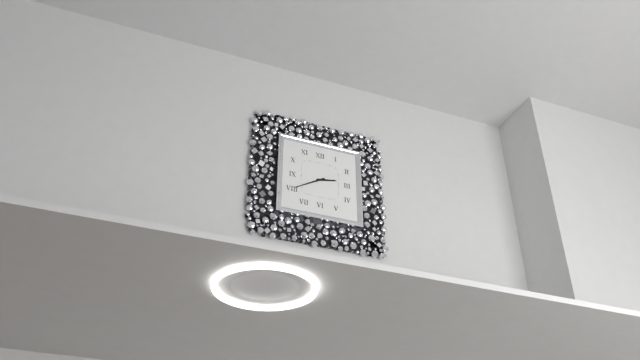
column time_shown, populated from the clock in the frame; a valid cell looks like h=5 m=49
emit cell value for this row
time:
h=2 m=40
